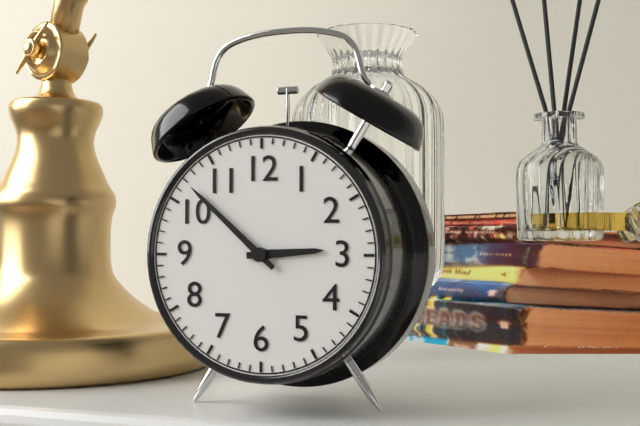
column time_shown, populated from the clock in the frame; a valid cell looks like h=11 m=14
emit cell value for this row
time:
h=2 m=52
